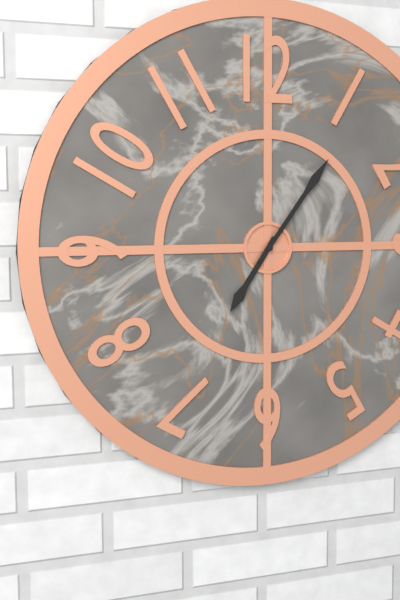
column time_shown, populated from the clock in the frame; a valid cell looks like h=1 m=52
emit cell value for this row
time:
h=7 m=6
